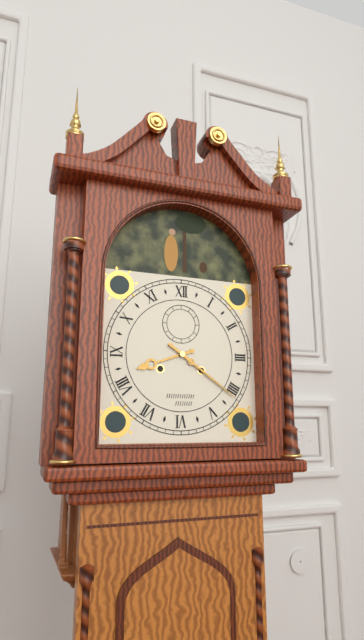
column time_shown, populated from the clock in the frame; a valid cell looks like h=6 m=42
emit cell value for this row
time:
h=8 m=21
